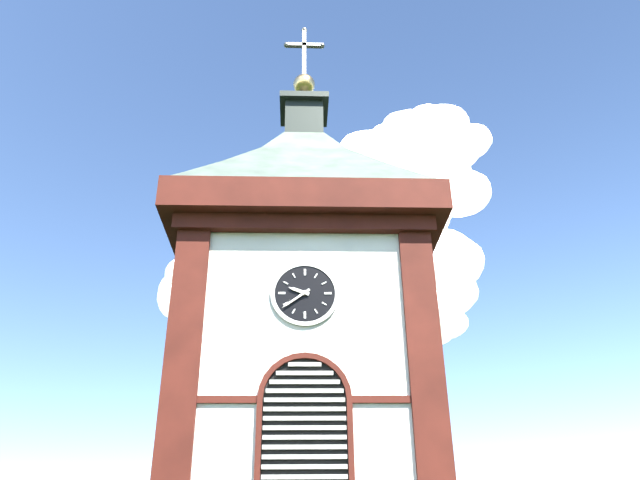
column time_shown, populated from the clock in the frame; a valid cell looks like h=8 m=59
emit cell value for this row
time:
h=9 m=39
